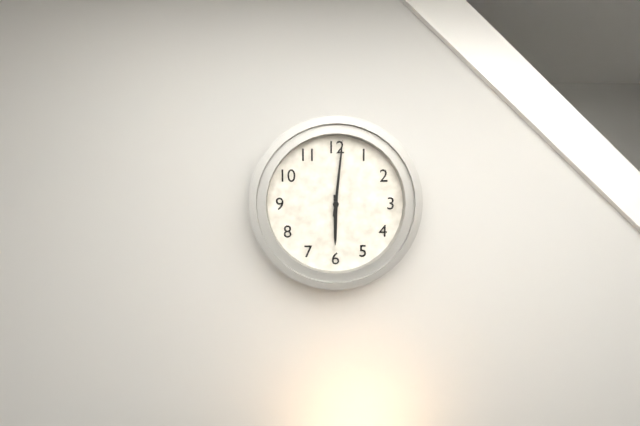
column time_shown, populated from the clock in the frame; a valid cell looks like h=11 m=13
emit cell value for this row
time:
h=6 m=1
